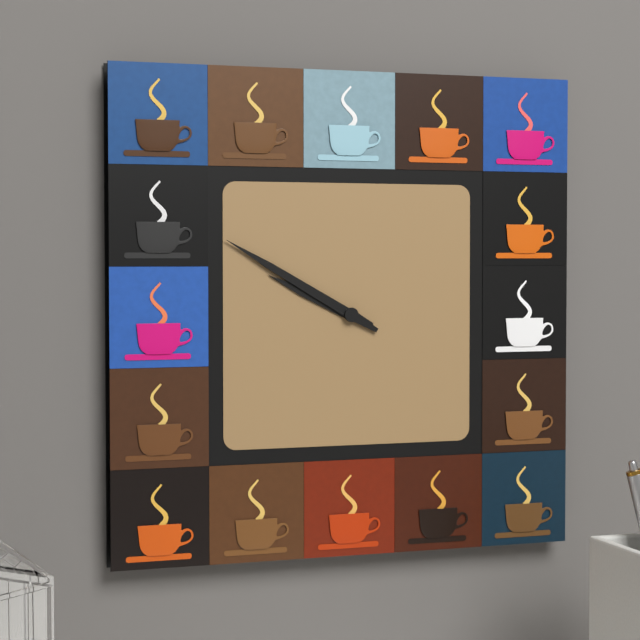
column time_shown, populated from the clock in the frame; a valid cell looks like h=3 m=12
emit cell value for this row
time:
h=9 m=50
